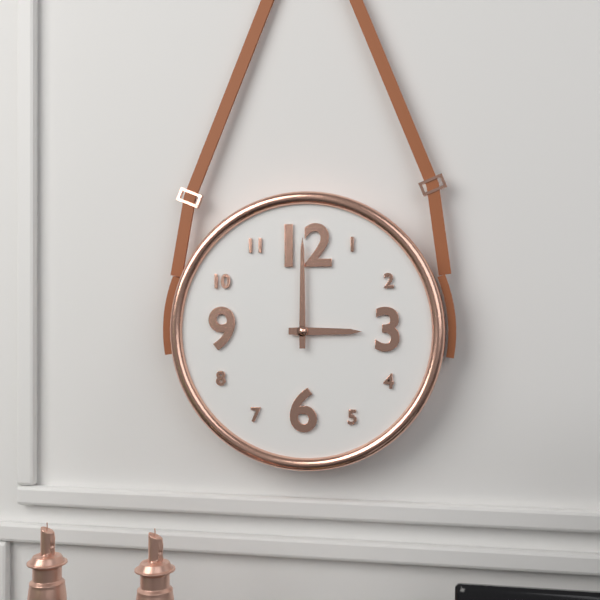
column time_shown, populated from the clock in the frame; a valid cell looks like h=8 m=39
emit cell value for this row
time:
h=3 m=0
